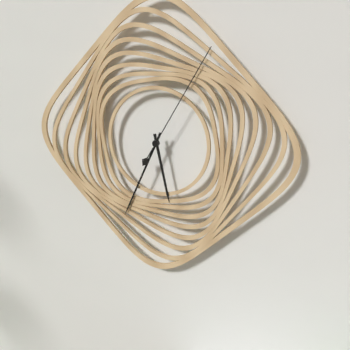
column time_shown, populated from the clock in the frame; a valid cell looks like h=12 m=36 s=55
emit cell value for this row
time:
h=5 m=34 s=5
